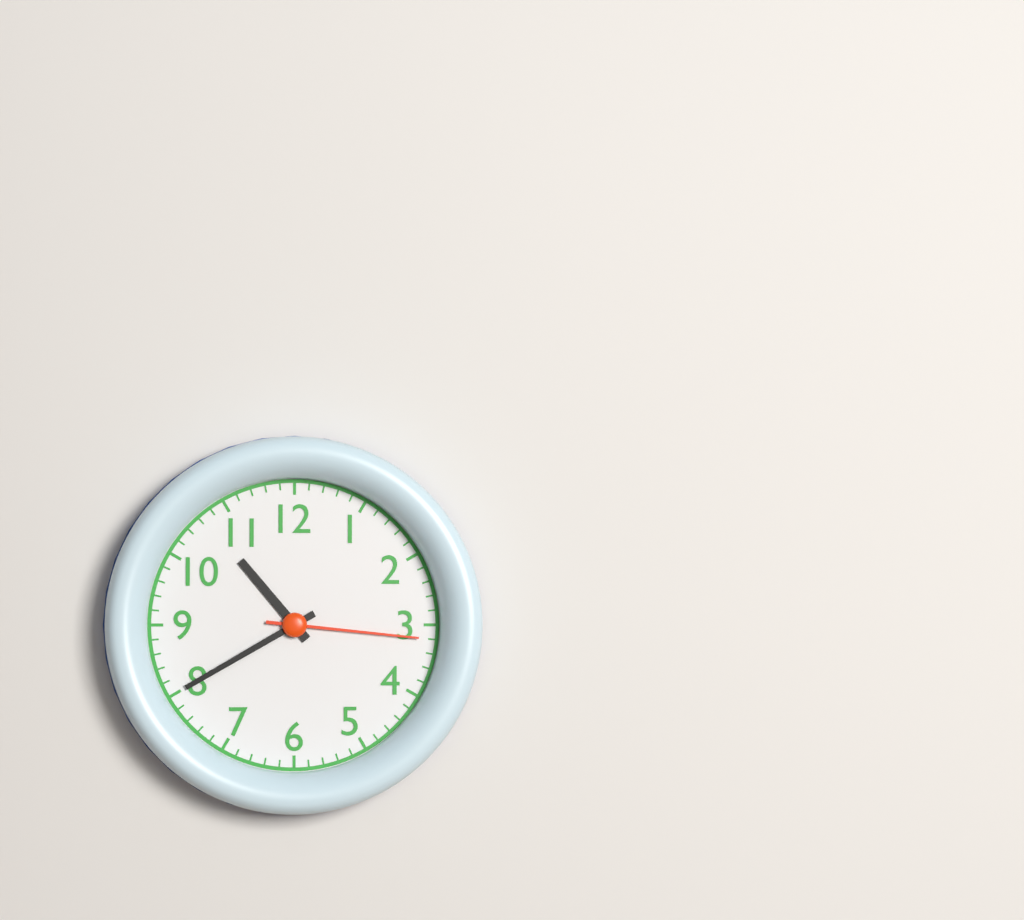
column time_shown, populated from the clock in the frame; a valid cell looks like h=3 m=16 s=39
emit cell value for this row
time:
h=10 m=40 s=16
